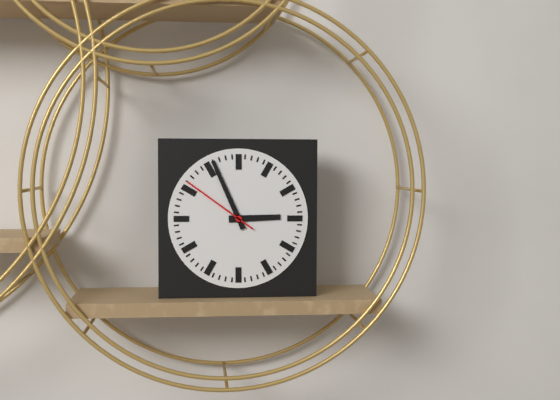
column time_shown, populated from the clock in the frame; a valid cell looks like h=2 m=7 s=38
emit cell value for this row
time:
h=2 m=56 s=51
